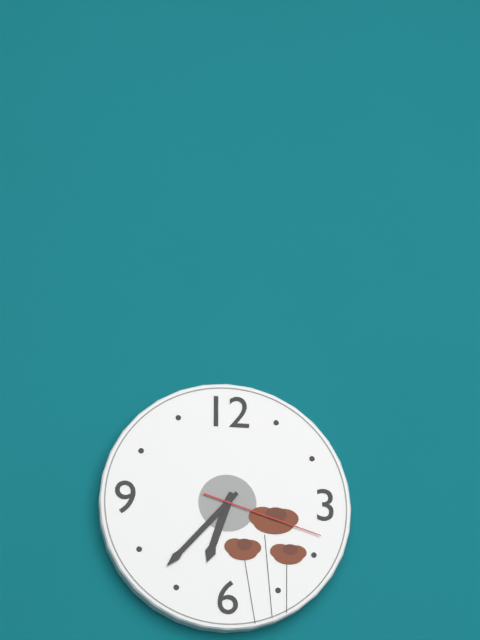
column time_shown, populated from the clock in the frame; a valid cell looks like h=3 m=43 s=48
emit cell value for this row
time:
h=6 m=37 s=18
